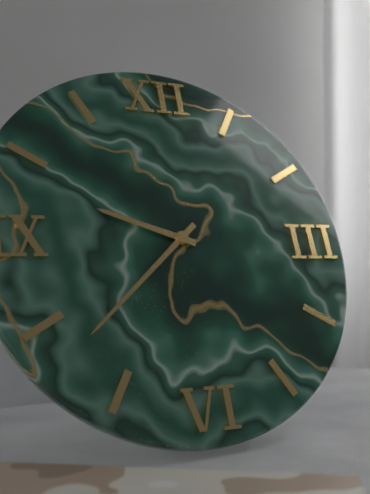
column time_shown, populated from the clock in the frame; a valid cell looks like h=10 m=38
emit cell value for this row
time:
h=9 m=38
